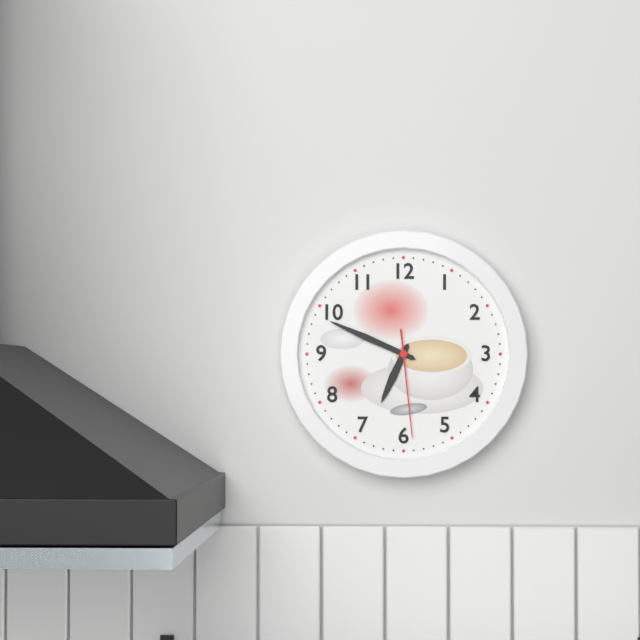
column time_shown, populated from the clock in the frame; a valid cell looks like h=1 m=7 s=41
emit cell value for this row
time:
h=6 m=49 s=29
